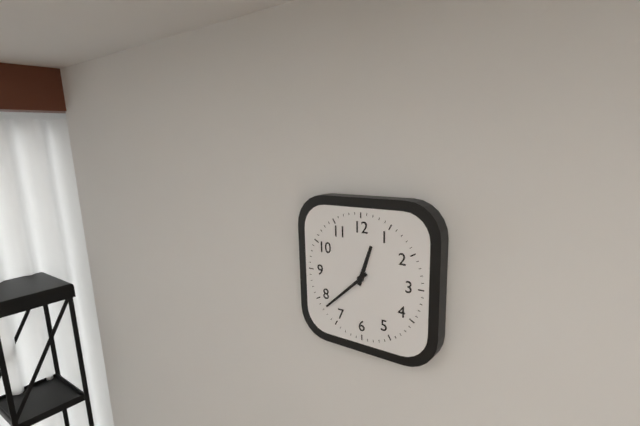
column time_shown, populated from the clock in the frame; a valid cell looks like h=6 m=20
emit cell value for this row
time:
h=12 m=38
